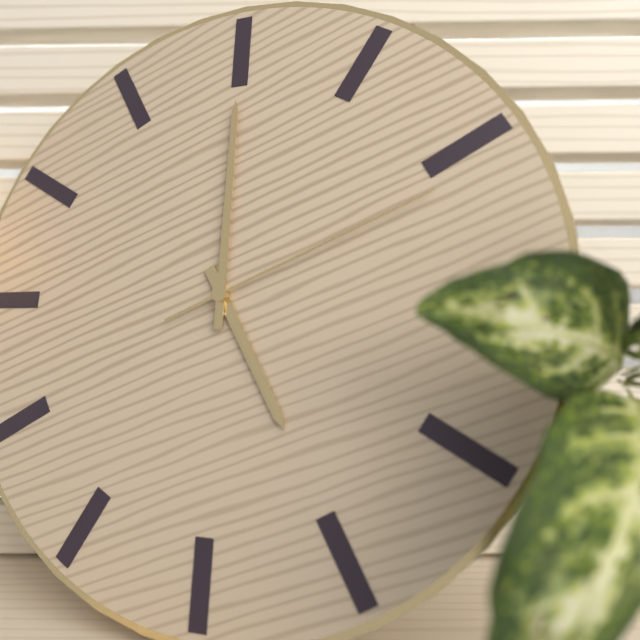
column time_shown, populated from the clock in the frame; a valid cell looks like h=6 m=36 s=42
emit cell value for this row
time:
h=5 m=0 s=11
